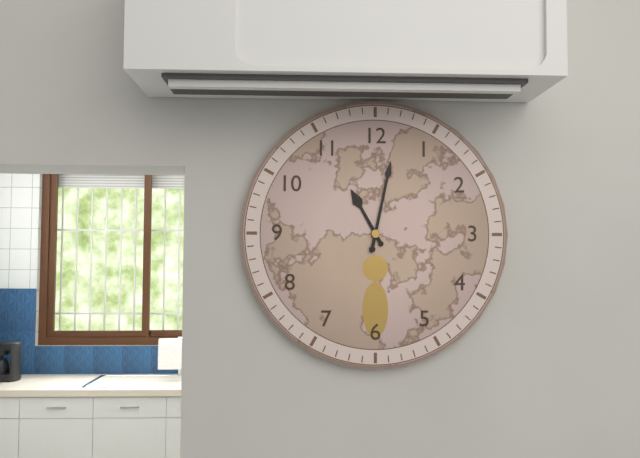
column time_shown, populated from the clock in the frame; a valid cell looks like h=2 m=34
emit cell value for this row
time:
h=11 m=2
